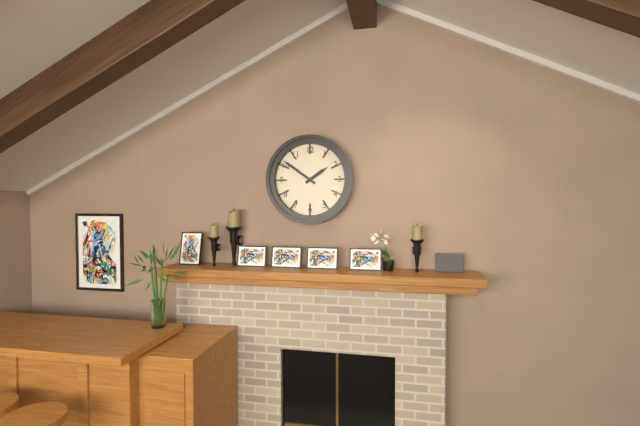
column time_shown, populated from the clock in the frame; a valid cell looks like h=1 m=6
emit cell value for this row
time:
h=1 m=51
